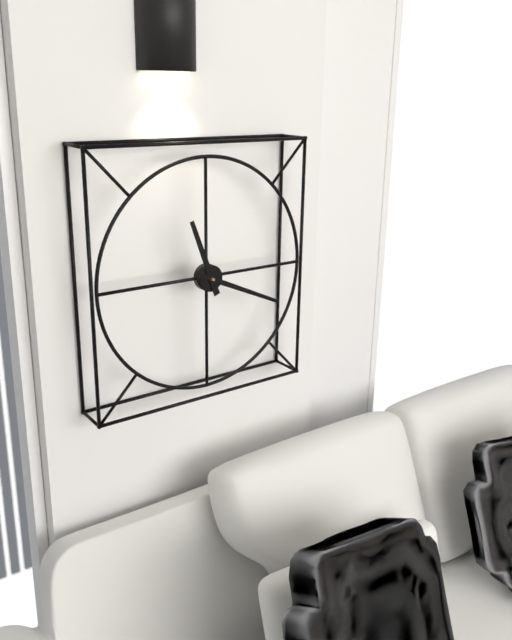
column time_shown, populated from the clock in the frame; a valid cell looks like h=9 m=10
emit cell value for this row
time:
h=11 m=19
